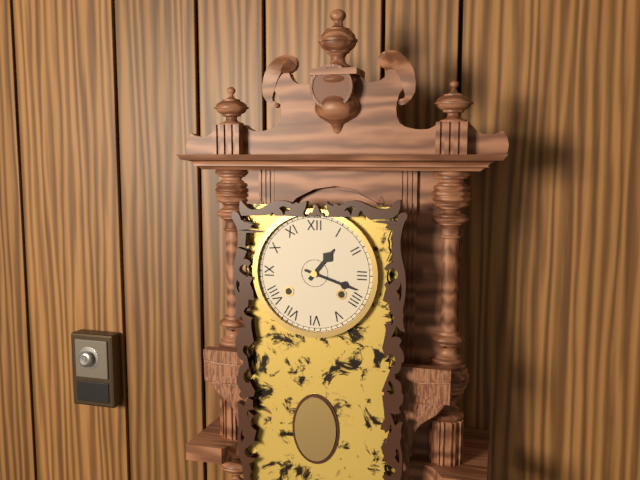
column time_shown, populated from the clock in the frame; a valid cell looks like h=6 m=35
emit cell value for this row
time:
h=1 m=18
